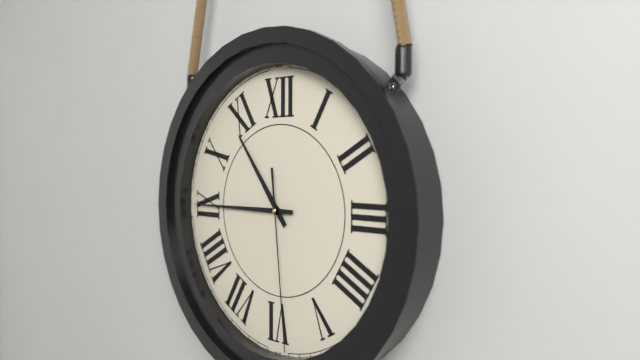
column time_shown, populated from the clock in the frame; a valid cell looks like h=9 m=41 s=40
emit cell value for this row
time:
h=10 m=45 s=29
